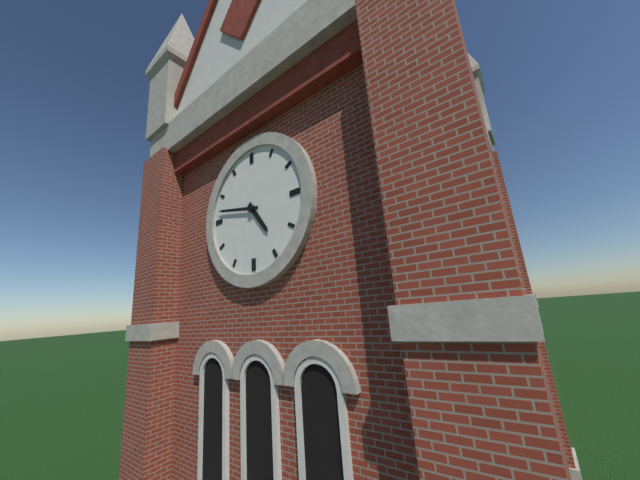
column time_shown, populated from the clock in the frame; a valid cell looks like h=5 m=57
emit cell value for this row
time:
h=4 m=47
